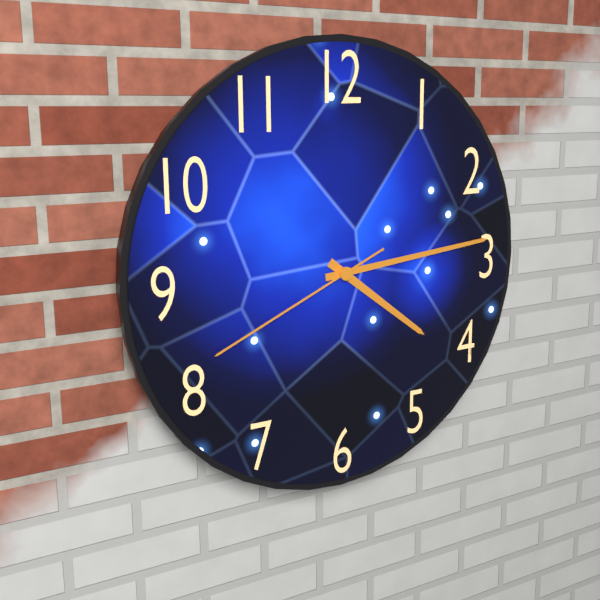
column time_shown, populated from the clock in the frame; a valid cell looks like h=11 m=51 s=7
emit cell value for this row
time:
h=4 m=14 s=41
